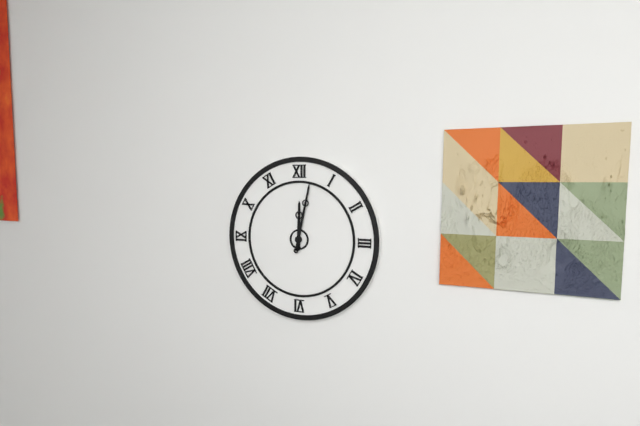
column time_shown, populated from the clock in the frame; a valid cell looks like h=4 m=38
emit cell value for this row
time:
h=12 m=2
